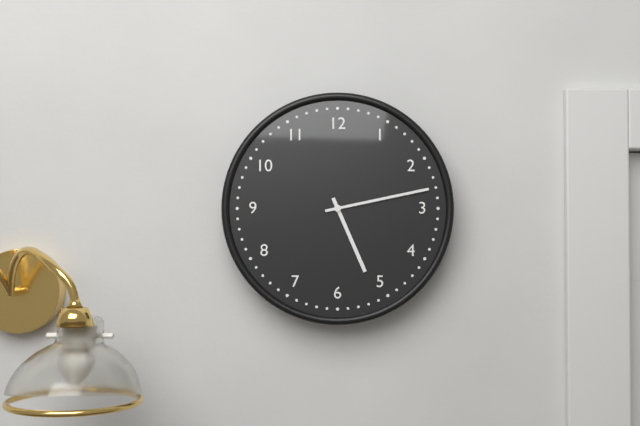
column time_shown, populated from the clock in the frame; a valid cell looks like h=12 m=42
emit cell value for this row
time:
h=5 m=13
